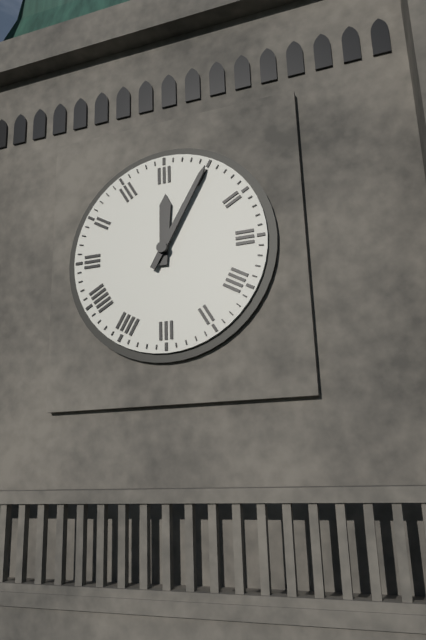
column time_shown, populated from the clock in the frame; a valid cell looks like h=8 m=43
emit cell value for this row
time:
h=12 m=5
